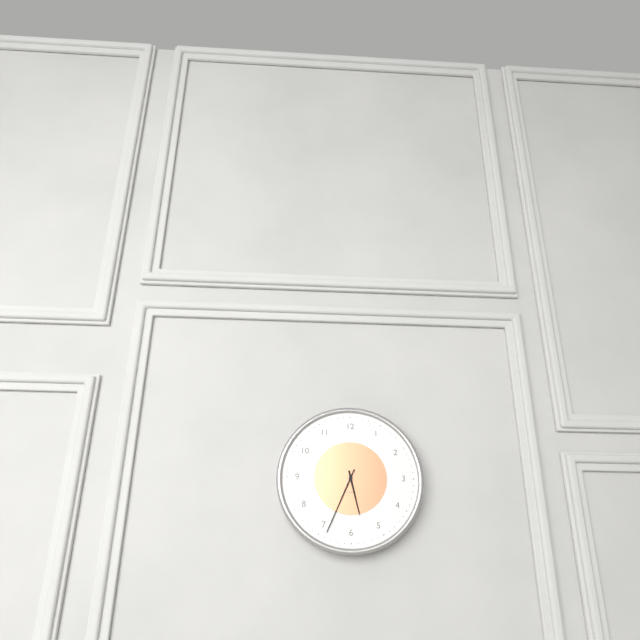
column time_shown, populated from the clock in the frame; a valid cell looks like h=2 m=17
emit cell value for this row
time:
h=5 m=34
